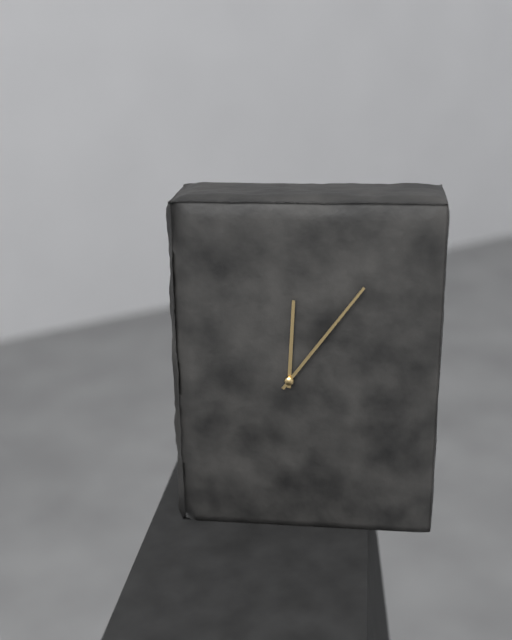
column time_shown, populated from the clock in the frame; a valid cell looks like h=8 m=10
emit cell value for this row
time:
h=12 m=6
